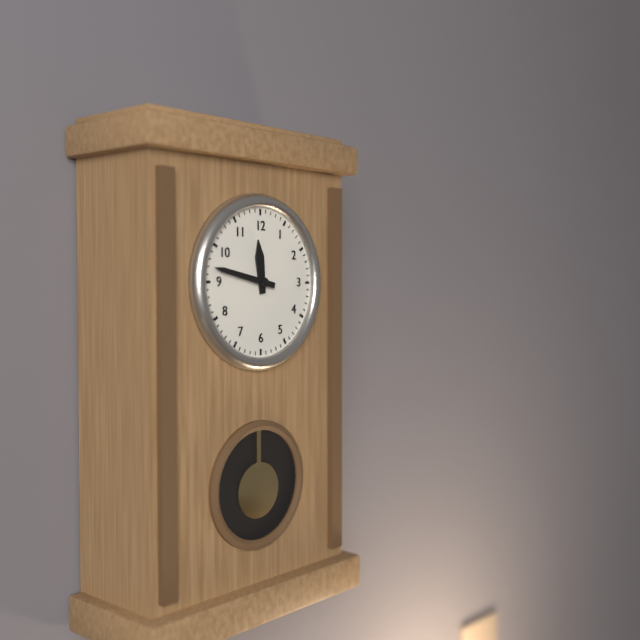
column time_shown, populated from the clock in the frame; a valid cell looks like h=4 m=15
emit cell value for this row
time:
h=11 m=47
